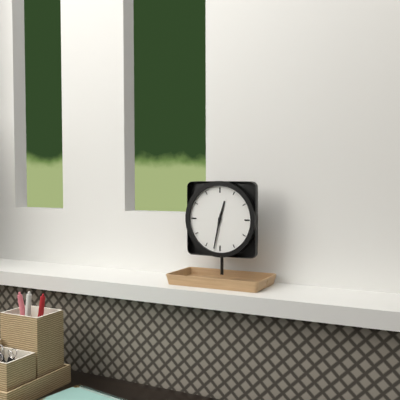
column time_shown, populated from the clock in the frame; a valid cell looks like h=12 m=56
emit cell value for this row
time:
h=12 m=32
